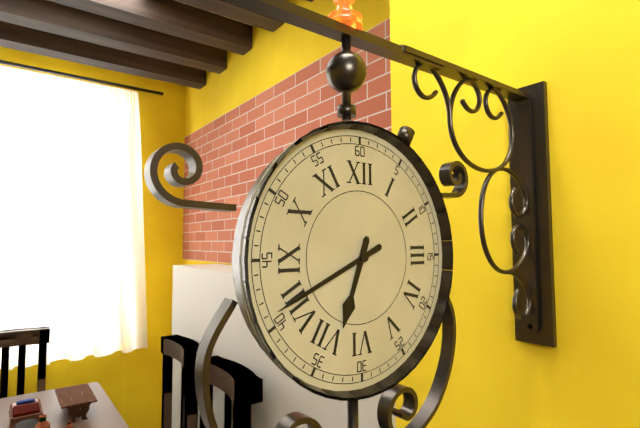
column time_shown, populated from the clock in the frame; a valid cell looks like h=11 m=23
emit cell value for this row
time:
h=6 m=41
